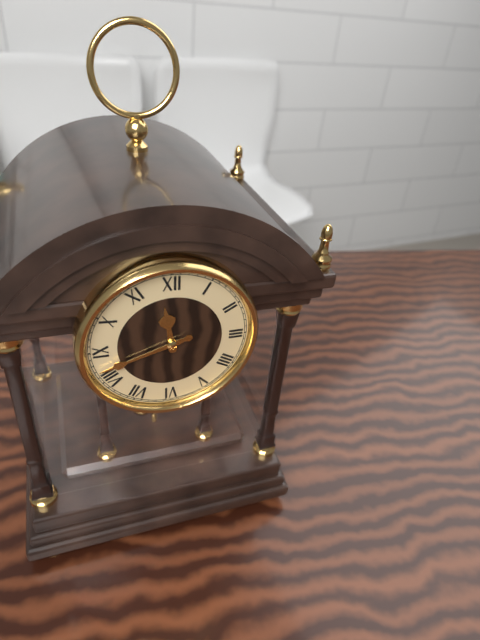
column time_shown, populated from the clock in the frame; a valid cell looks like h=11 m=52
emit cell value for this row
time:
h=11 m=42
